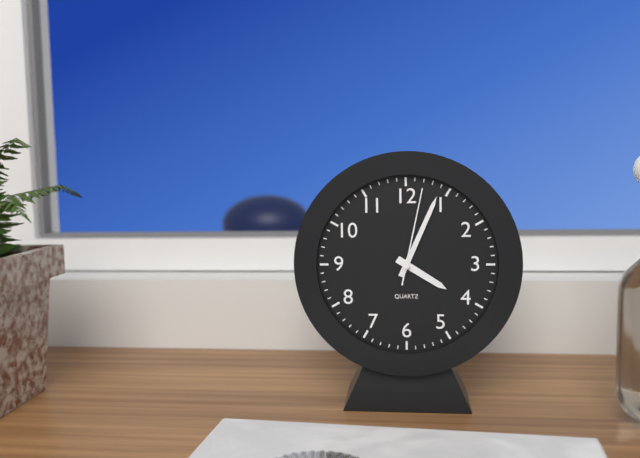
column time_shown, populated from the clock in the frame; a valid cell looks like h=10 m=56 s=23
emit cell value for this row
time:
h=4 m=4 s=2
